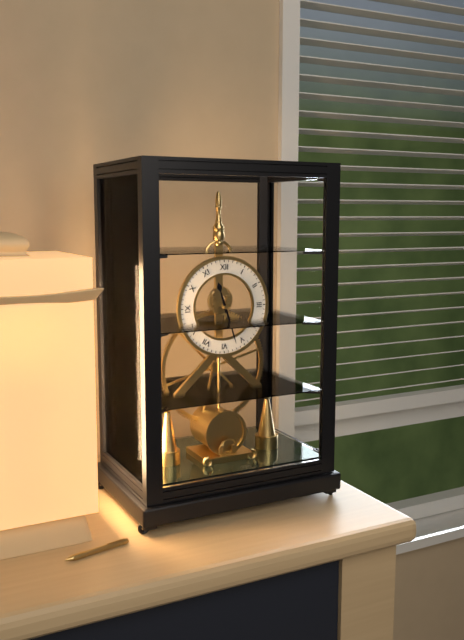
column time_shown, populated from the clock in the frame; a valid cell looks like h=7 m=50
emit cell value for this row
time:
h=11 m=27
